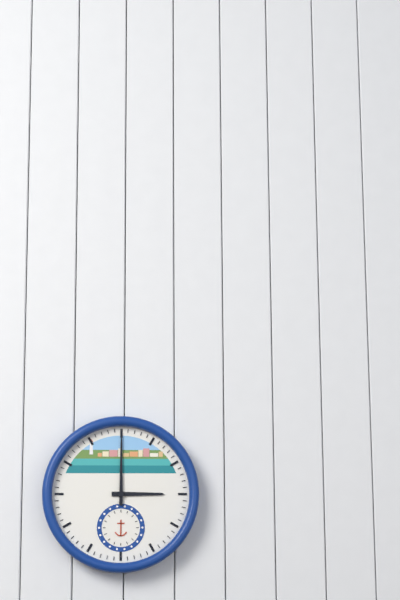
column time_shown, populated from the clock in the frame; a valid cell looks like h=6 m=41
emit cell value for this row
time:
h=3 m=0
